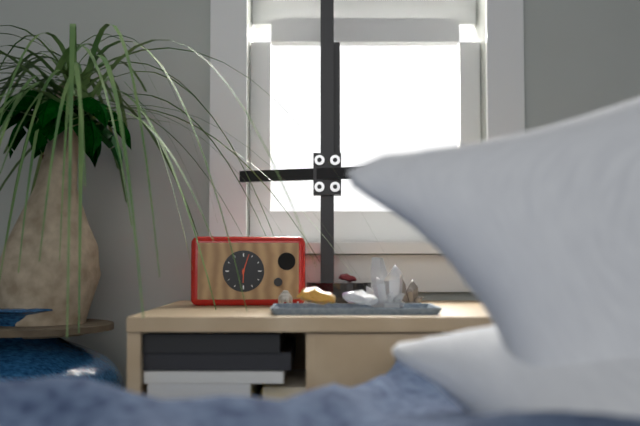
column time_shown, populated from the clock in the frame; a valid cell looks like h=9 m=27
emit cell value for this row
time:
h=6 m=3
